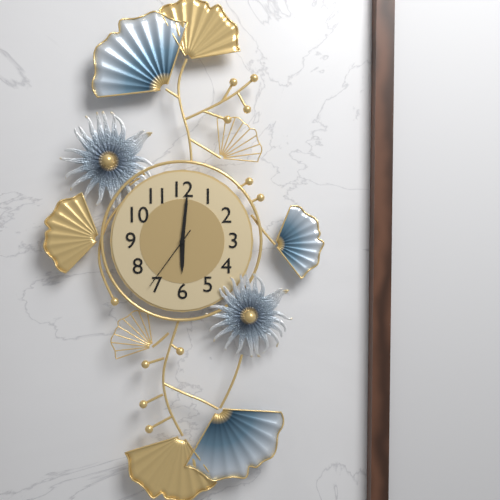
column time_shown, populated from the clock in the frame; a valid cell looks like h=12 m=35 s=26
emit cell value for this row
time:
h=6 m=1 s=36
